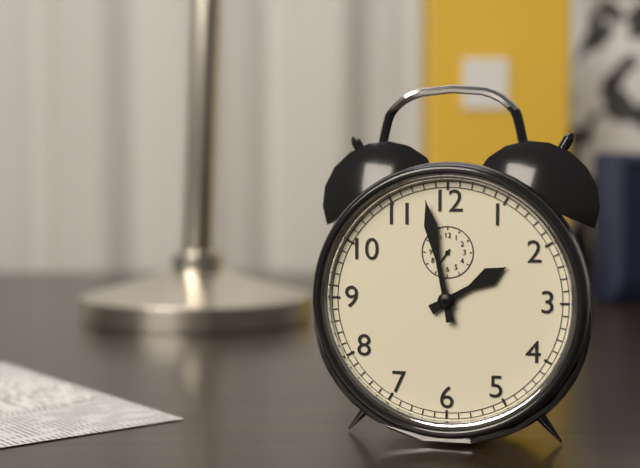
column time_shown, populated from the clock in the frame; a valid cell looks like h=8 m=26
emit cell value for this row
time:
h=1 m=58
